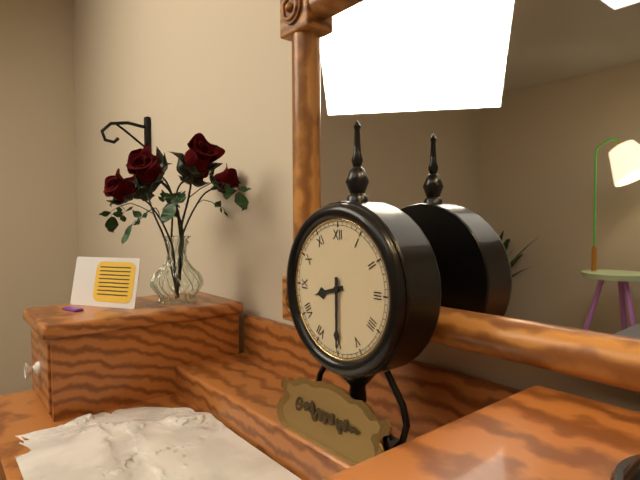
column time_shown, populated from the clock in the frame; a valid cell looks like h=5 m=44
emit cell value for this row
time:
h=8 m=30
